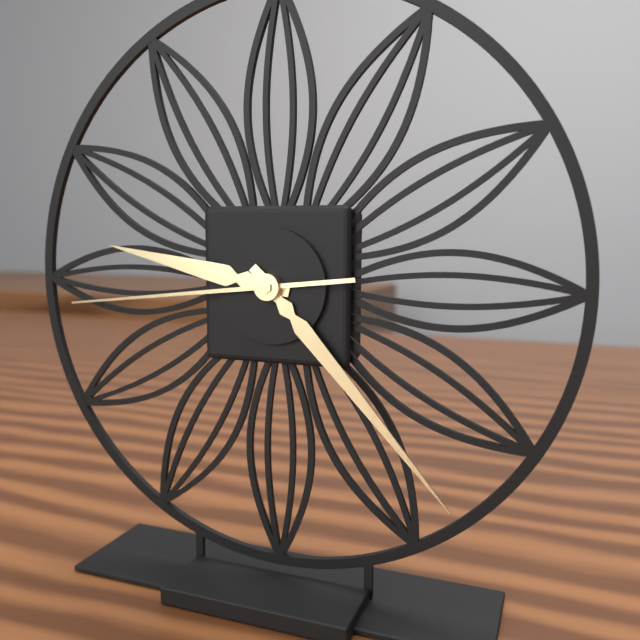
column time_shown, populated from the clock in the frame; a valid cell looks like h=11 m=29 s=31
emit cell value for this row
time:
h=9 m=23 s=44
